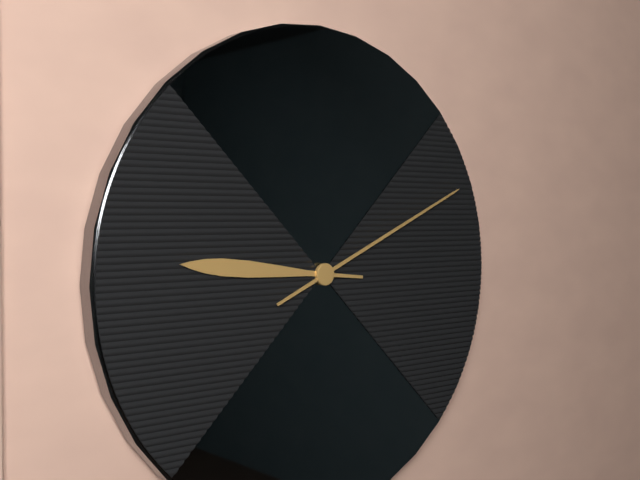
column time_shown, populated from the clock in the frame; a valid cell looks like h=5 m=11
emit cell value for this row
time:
h=9 m=11
